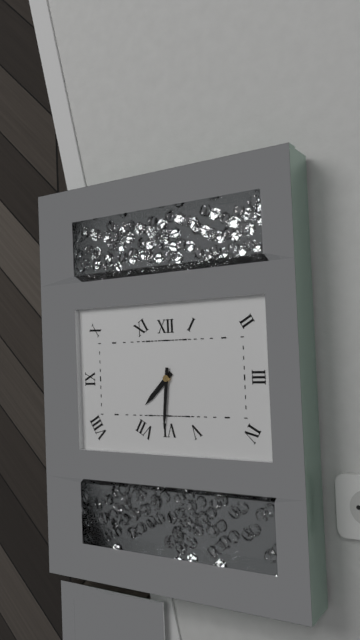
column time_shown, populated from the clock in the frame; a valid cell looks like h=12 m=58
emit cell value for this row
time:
h=7 m=31
